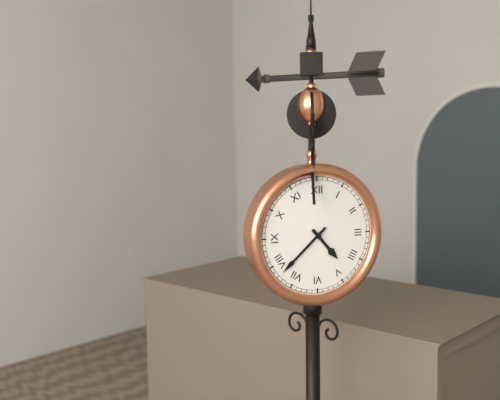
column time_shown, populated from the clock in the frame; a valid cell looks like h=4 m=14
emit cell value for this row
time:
h=4 m=38
